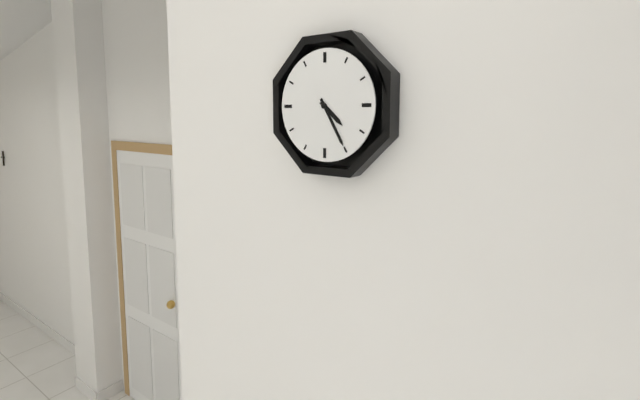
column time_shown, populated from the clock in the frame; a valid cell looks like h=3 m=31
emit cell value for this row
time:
h=4 m=25
